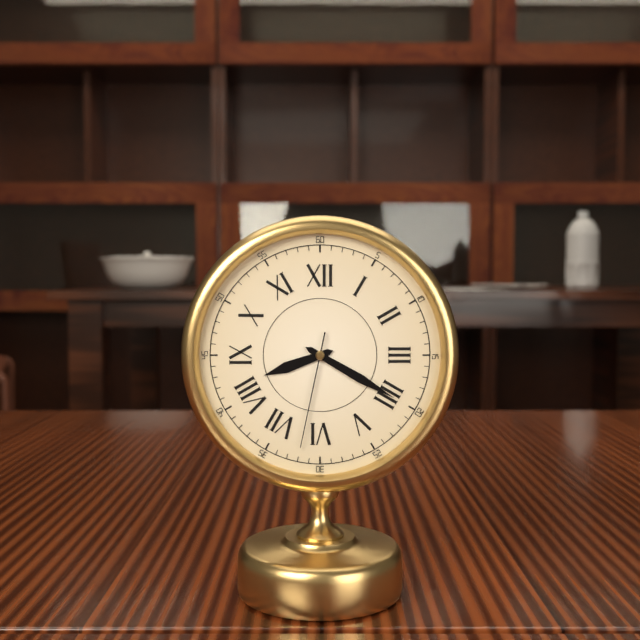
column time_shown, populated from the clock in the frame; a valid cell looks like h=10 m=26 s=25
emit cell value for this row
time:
h=8 m=20 s=32
